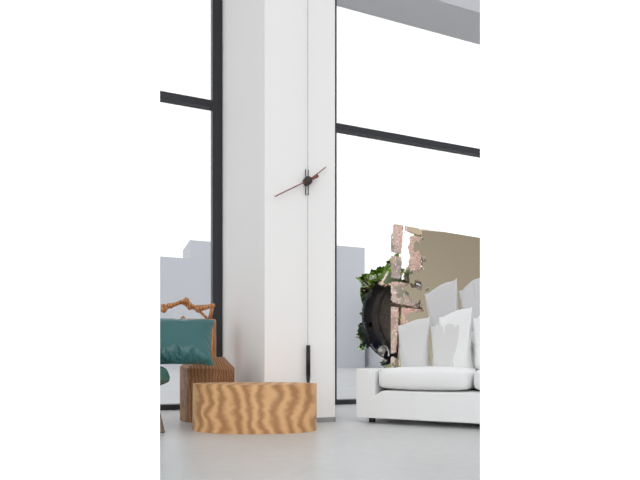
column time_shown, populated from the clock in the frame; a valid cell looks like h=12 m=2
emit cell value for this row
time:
h=1 m=40
